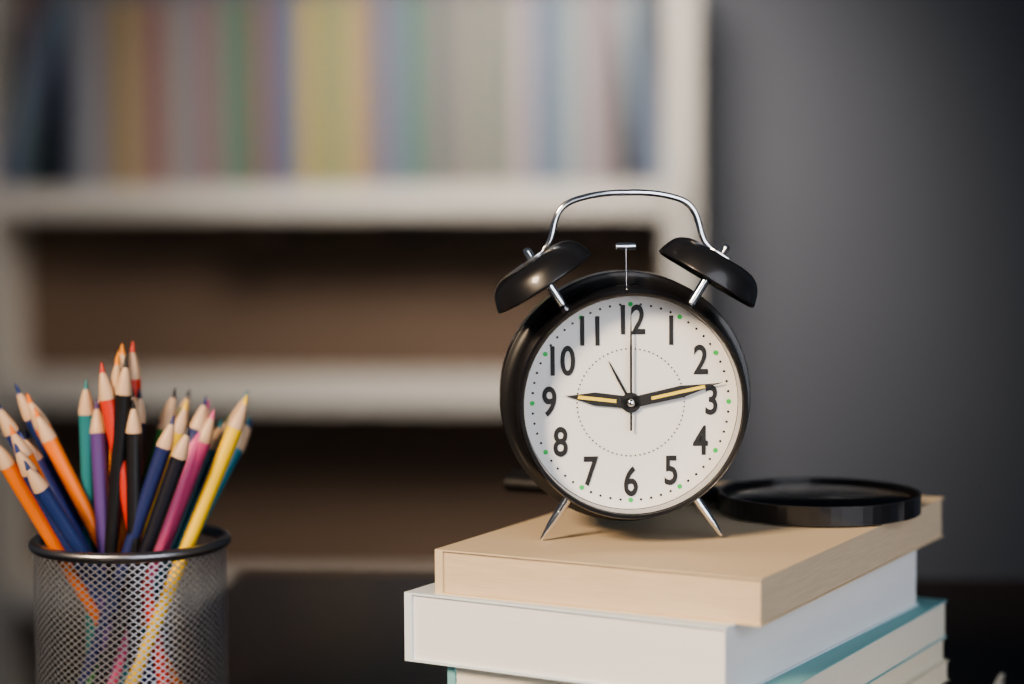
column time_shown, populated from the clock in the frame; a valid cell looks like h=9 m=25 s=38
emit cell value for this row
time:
h=9 m=13 s=0
